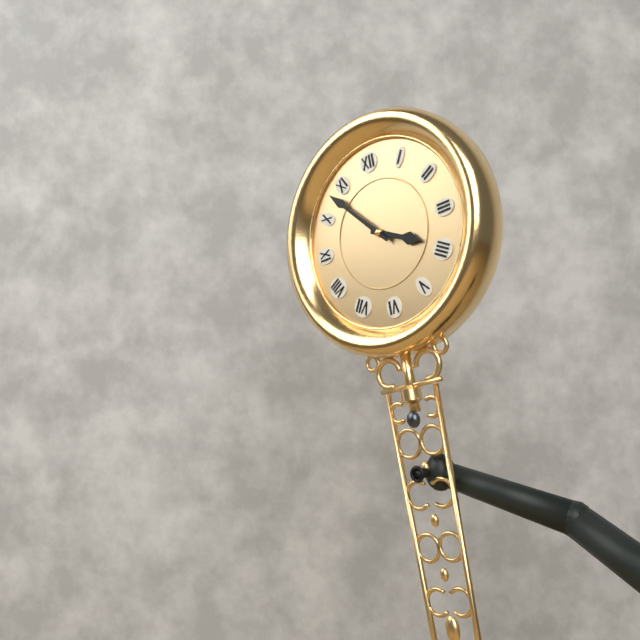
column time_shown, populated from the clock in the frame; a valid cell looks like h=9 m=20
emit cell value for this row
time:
h=3 m=53
